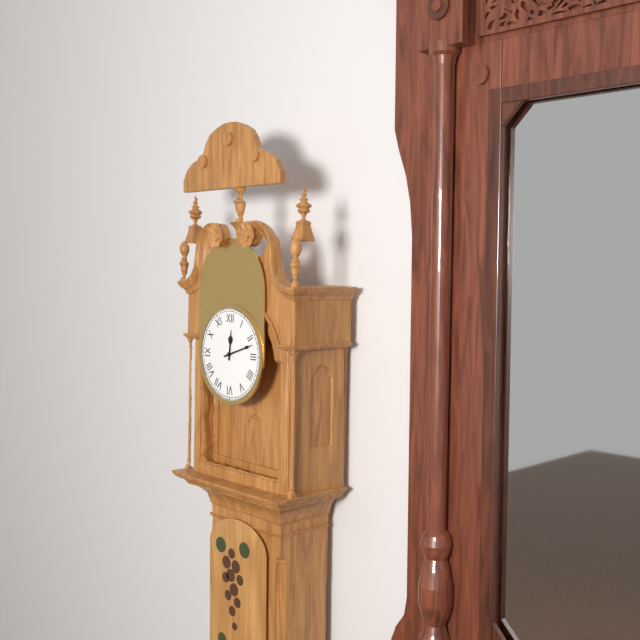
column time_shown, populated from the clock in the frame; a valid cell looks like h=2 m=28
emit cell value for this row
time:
h=12 m=12
